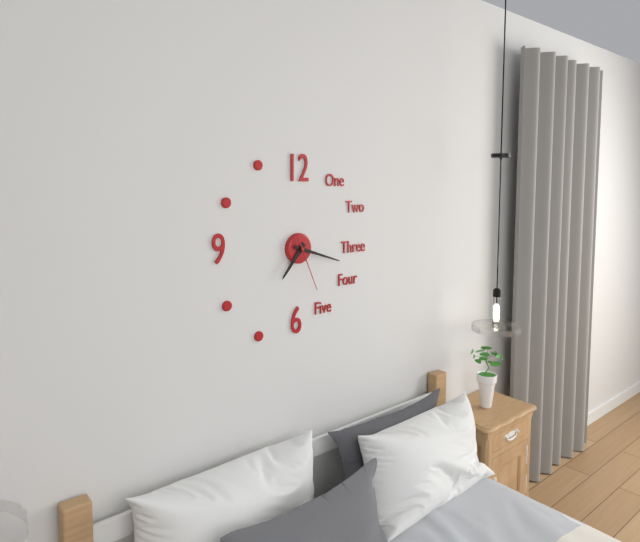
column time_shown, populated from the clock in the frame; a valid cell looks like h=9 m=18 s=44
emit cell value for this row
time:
h=7 m=18 s=26
